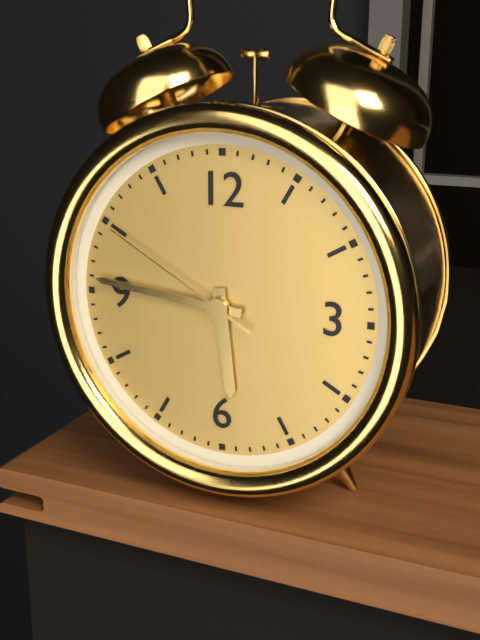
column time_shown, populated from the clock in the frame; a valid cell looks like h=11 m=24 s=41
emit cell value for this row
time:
h=5 m=46 s=50
